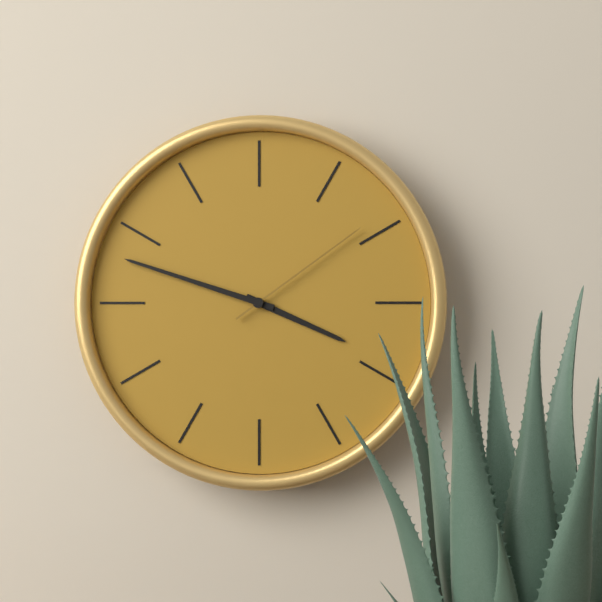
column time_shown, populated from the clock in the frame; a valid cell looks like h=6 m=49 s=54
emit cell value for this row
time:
h=3 m=48 s=9
